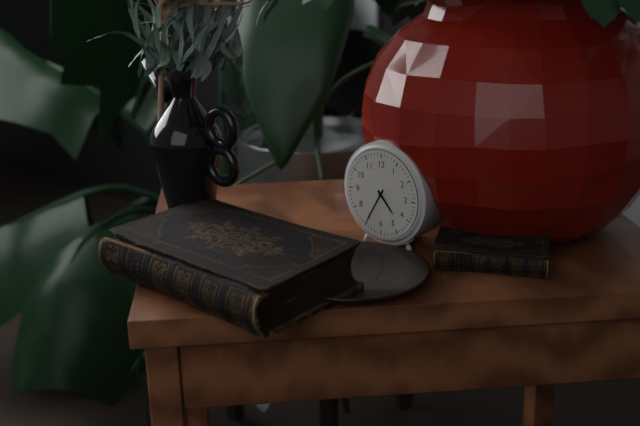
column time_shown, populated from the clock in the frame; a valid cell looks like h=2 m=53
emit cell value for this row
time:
h=4 m=35
